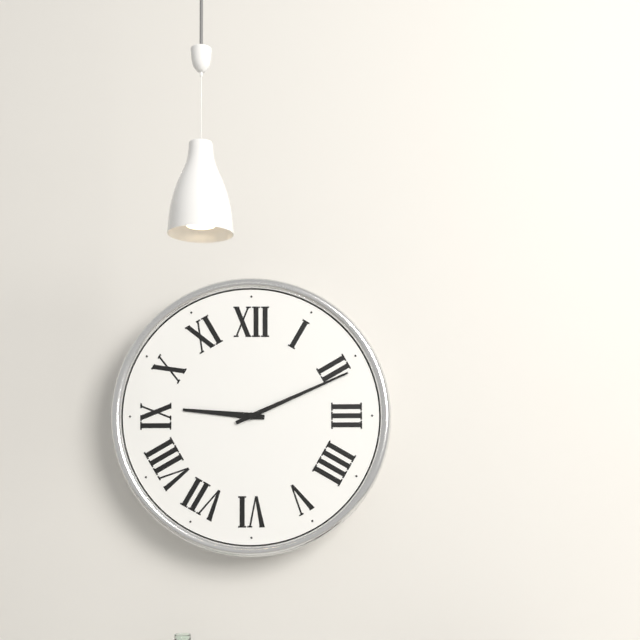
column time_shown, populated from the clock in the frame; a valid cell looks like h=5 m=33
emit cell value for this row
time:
h=9 m=11
